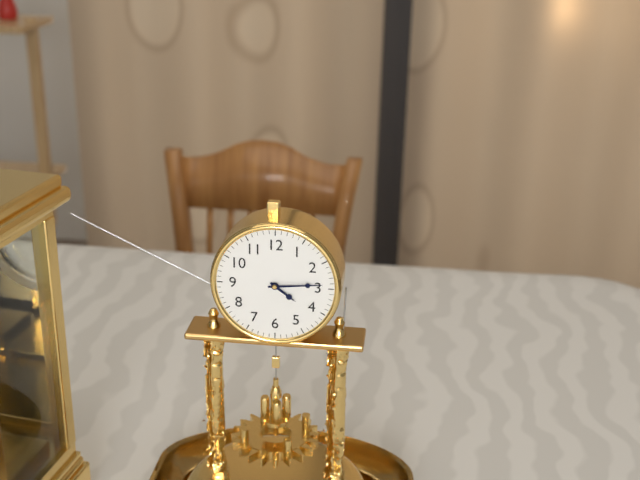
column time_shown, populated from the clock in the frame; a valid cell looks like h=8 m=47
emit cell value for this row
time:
h=4 m=14
